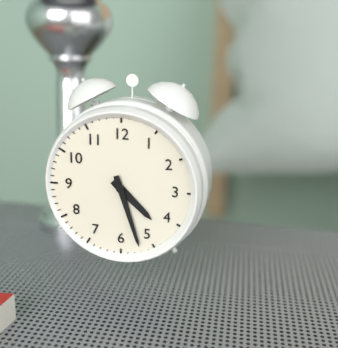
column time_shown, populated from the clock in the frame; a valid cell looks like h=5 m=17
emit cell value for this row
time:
h=4 m=27
